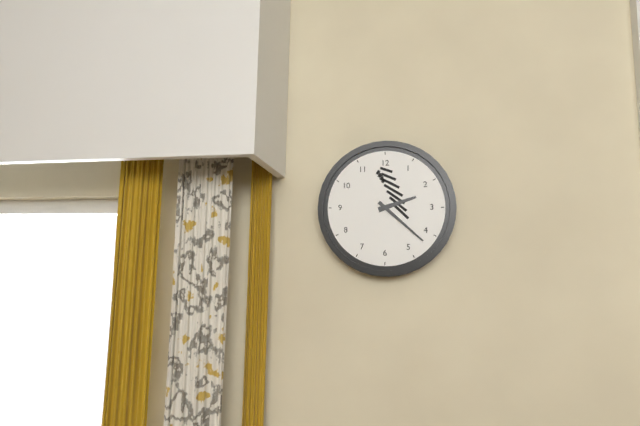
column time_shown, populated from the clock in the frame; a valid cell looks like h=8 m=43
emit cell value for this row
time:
h=2 m=22
